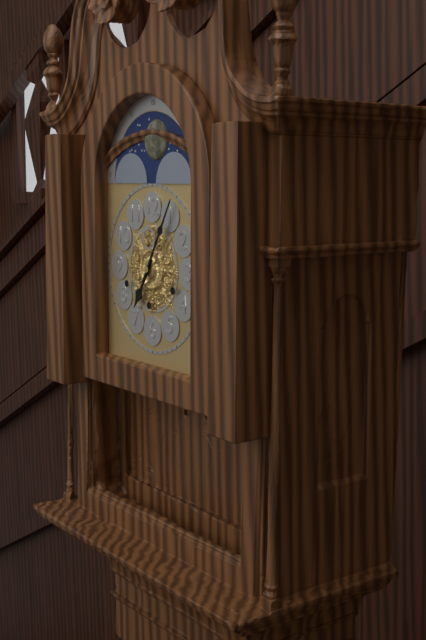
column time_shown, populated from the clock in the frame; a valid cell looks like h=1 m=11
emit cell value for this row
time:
h=7 m=5
